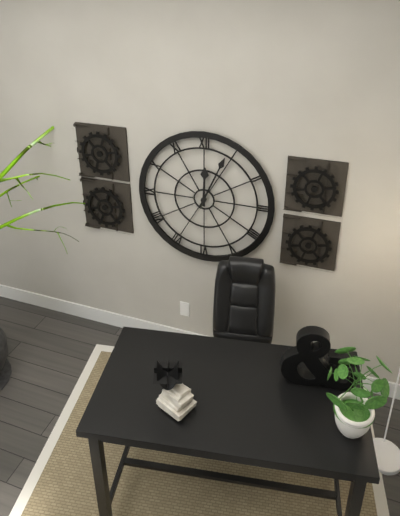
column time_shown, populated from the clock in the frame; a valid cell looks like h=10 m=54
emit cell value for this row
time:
h=12 m=4
